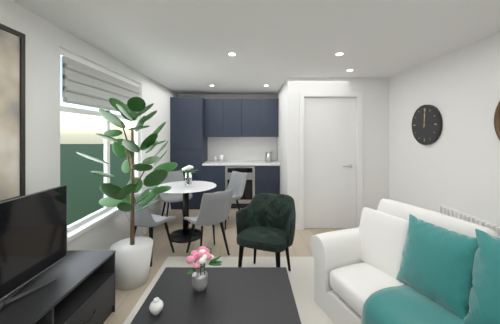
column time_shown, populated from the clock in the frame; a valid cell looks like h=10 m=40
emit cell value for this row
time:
h=12 m=1
